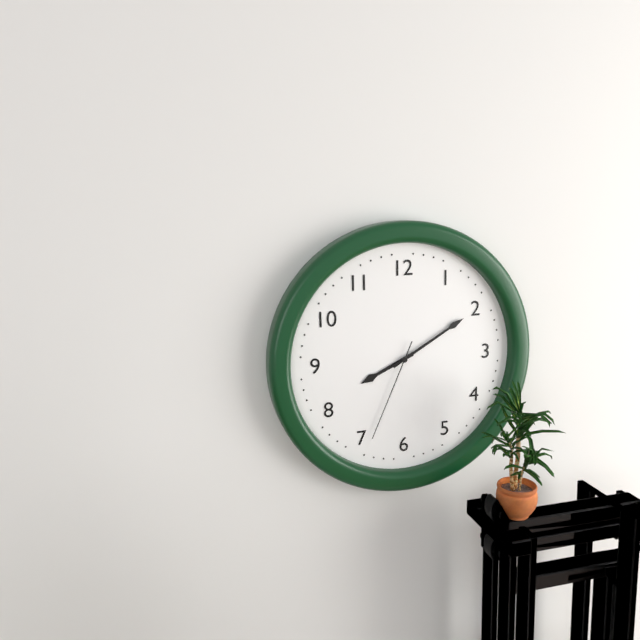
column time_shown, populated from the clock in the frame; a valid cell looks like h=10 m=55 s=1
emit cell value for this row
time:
h=8 m=10 s=34
